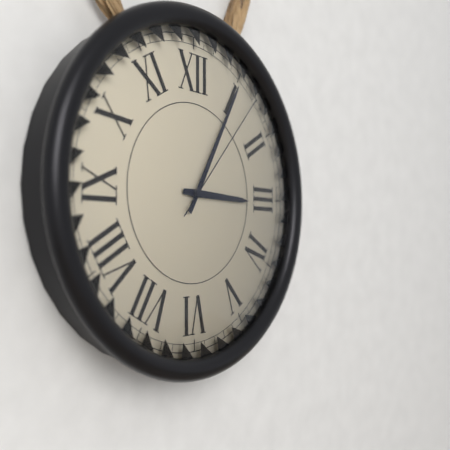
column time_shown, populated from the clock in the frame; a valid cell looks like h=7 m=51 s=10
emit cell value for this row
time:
h=3 m=5 s=7
